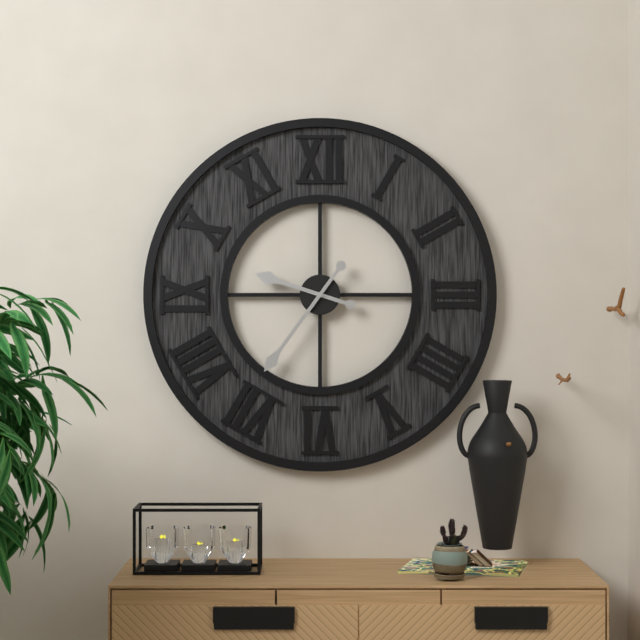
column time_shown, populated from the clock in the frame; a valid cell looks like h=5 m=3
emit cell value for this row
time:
h=9 m=36
